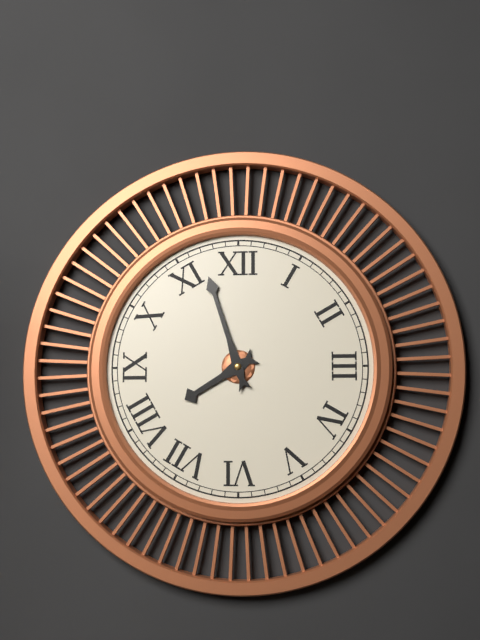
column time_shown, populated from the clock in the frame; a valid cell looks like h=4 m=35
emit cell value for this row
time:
h=7 m=57
